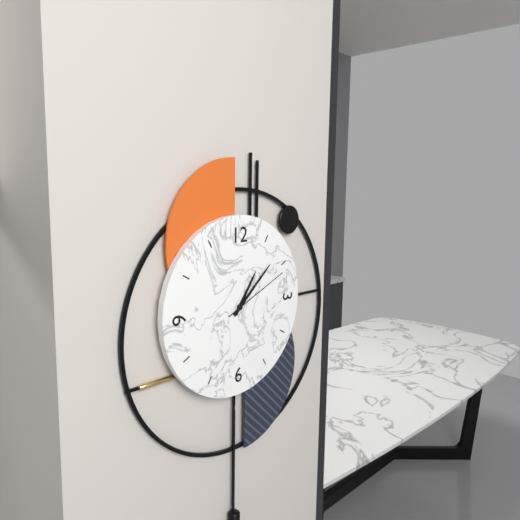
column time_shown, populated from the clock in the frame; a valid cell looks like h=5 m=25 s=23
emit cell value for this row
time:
h=1 m=8 s=11
